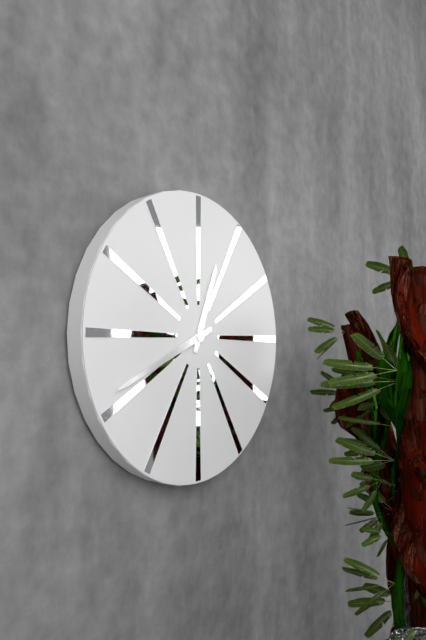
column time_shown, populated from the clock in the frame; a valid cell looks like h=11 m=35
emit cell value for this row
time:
h=12 m=41
